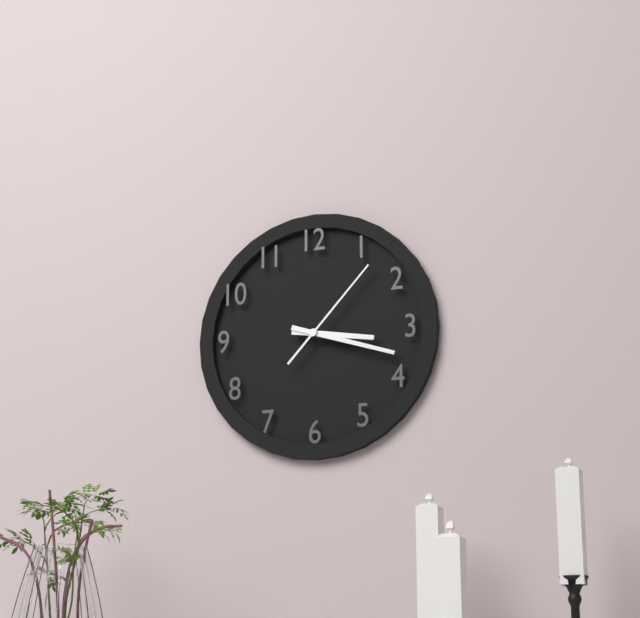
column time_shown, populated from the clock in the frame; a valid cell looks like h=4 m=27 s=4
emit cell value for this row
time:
h=3 m=18 s=7
